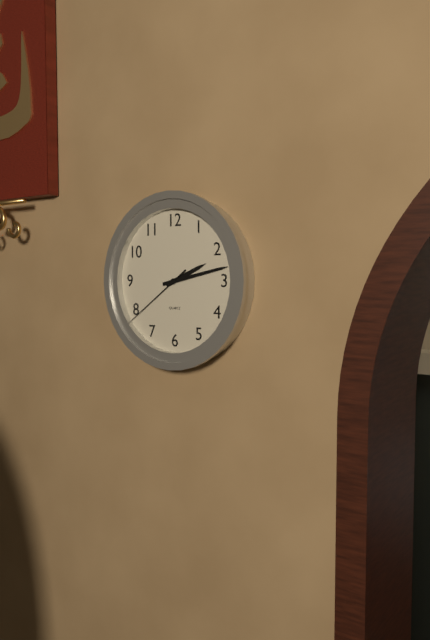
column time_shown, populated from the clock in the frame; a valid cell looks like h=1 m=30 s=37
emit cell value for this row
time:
h=2 m=13 s=39
